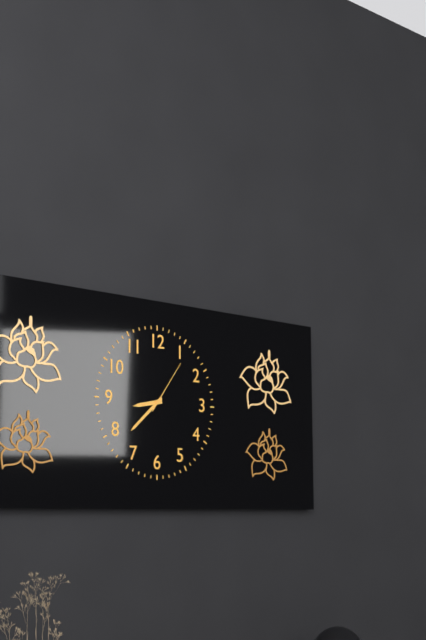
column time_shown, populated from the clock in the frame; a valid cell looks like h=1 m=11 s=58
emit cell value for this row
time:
h=8 m=38 s=6
